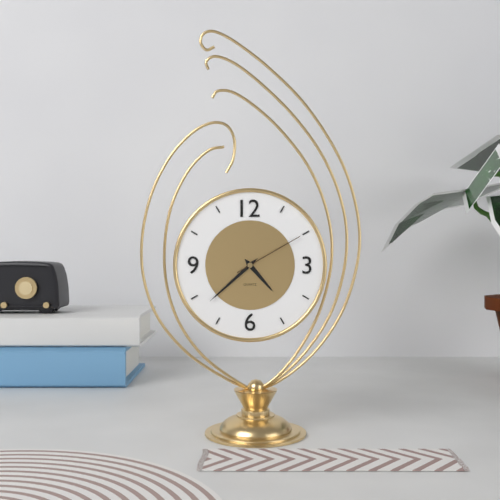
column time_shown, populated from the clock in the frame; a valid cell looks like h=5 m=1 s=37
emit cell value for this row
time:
h=4 m=38 s=10
